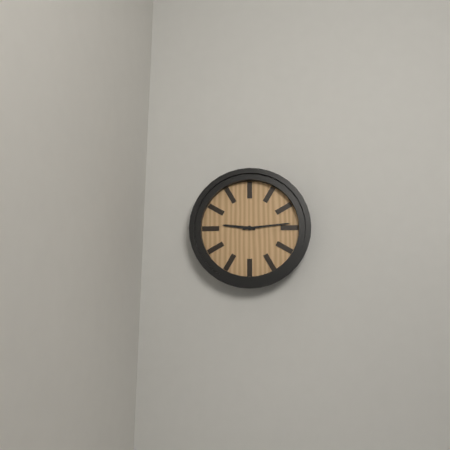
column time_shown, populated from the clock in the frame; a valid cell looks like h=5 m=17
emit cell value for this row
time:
h=9 m=14
